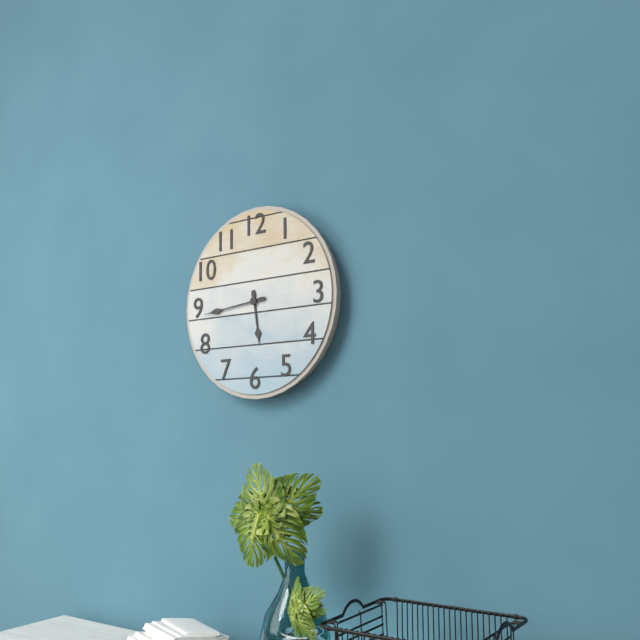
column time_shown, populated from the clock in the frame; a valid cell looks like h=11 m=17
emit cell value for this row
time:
h=5 m=44
